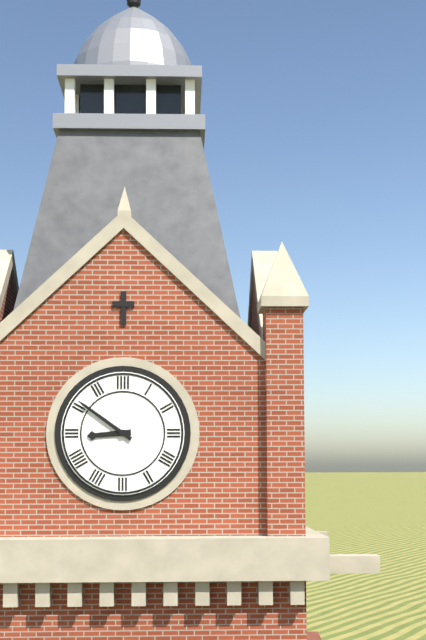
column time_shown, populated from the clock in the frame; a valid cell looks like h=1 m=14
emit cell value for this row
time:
h=8 m=51
